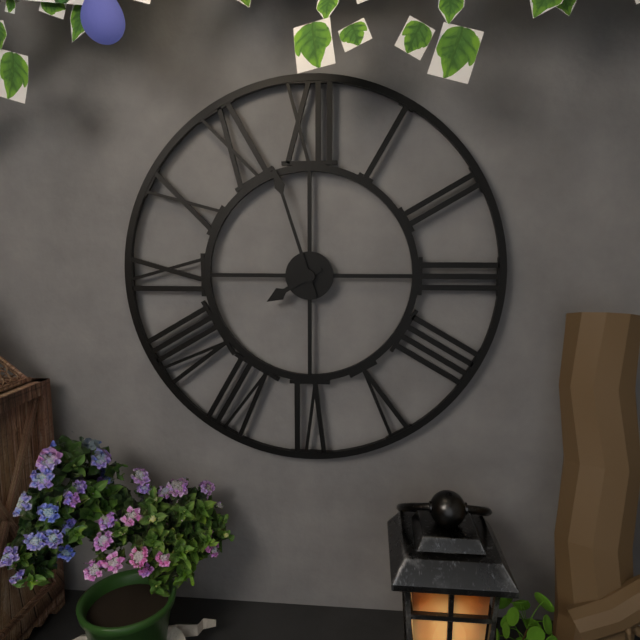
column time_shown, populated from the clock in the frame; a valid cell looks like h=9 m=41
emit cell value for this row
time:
h=7 m=57
